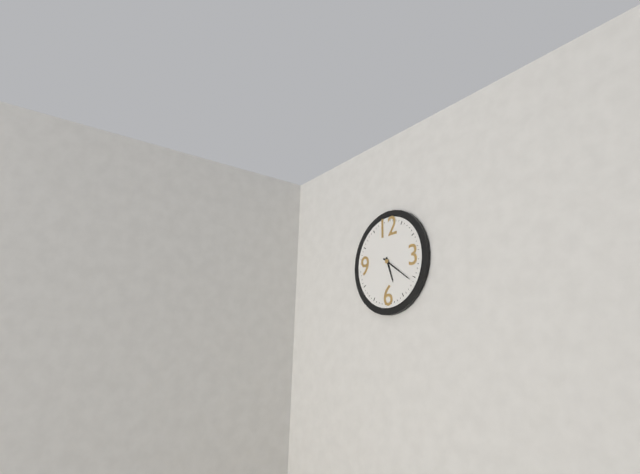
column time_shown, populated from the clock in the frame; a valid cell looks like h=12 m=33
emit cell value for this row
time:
h=5 m=21
